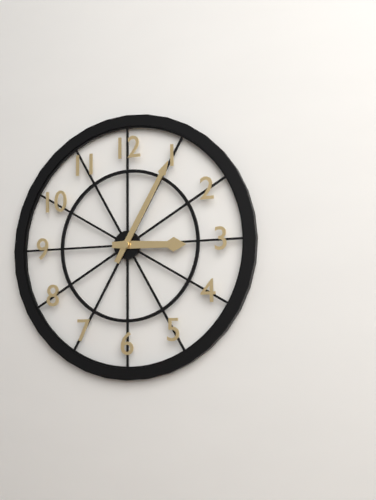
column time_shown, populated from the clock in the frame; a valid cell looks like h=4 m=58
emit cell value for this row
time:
h=3 m=5
